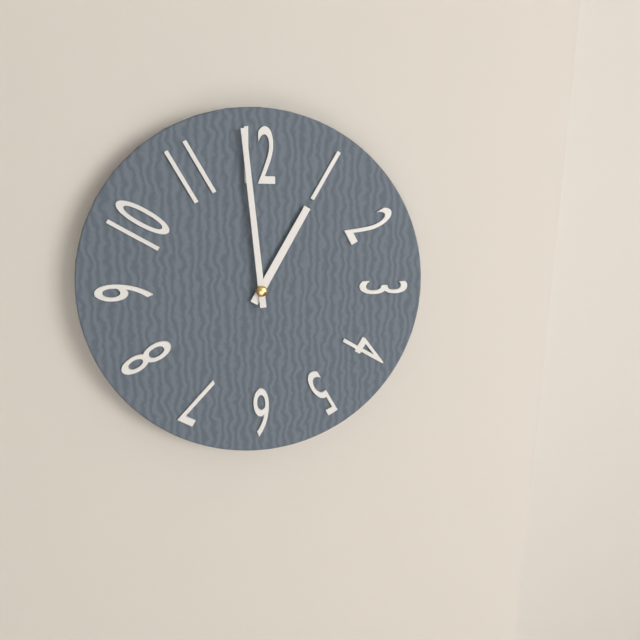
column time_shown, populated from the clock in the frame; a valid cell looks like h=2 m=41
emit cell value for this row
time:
h=12 m=59
